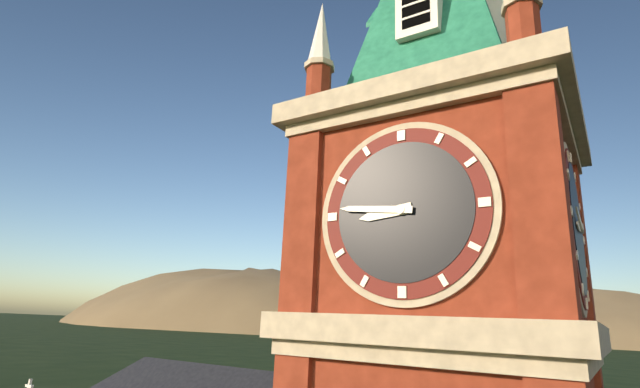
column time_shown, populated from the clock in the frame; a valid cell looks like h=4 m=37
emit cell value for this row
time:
h=8 m=46
